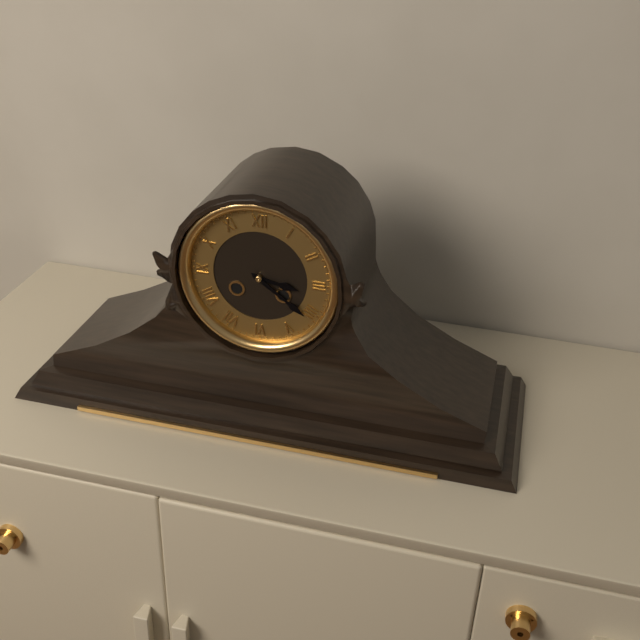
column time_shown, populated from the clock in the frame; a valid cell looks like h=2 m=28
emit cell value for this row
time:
h=3 m=21
